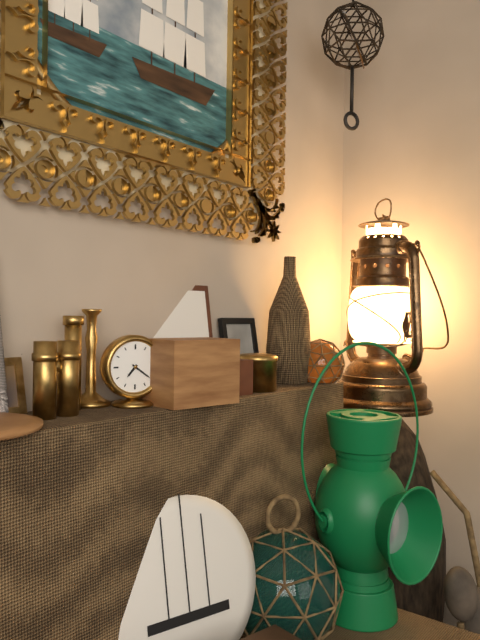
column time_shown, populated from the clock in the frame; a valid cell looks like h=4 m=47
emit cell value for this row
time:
h=7 m=21
